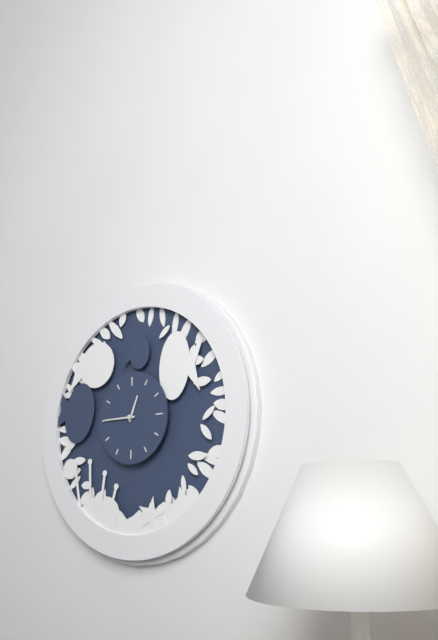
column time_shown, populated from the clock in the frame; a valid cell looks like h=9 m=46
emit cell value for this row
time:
h=12 m=45
